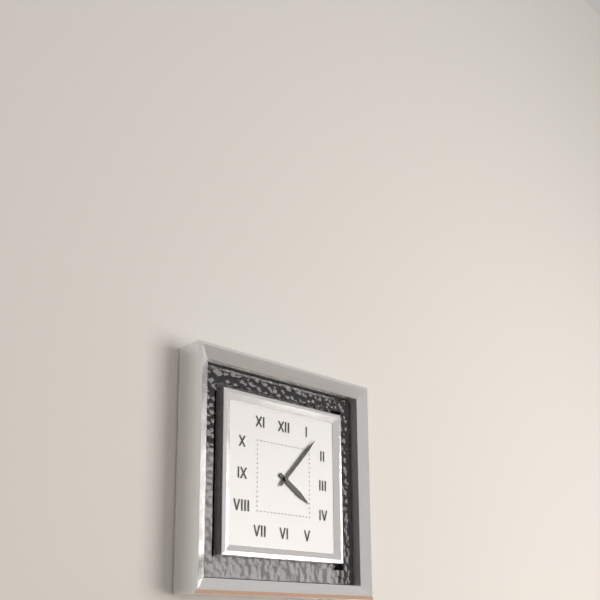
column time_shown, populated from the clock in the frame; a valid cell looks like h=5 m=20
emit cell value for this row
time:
h=4 m=7
